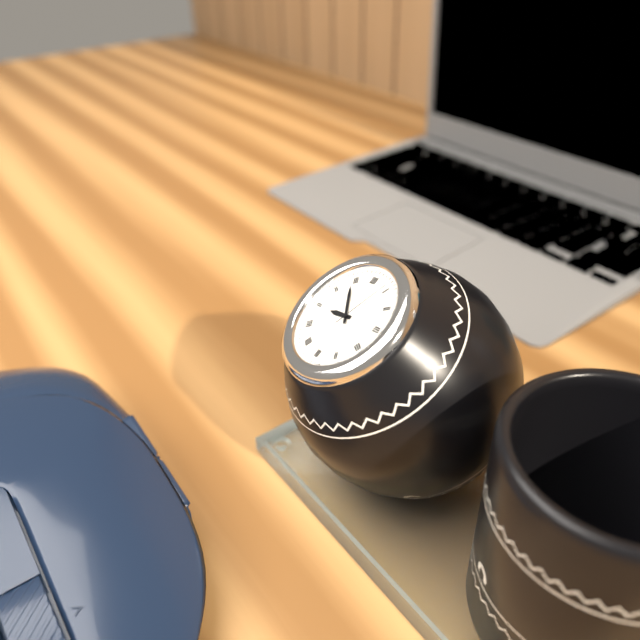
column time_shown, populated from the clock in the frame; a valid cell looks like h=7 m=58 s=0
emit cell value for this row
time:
h=8 m=54 s=4
